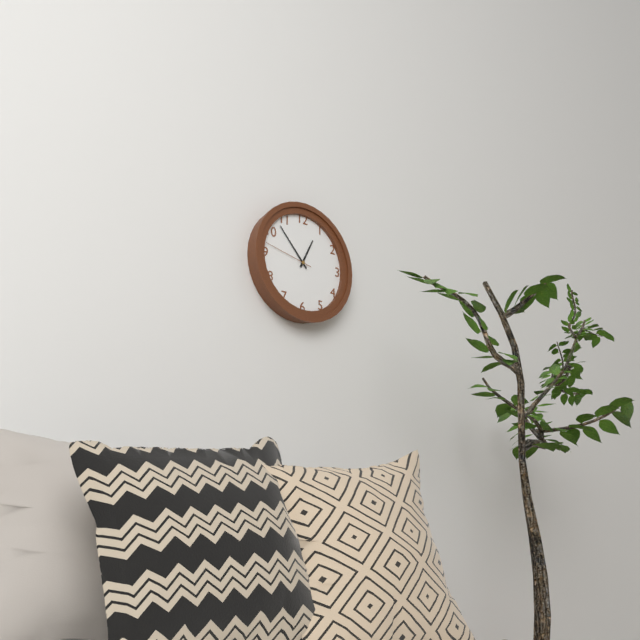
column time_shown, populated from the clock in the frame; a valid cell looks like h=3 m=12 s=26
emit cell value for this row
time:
h=12 m=53 s=47
